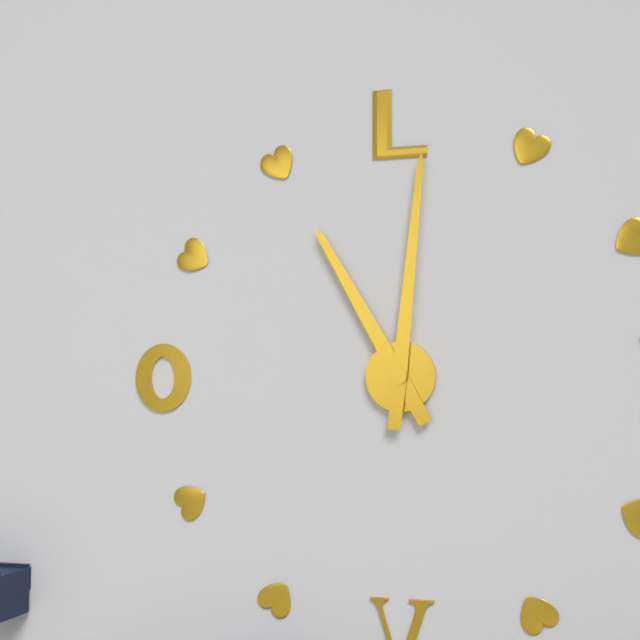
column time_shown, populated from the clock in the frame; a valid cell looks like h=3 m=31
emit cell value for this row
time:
h=11 m=1
